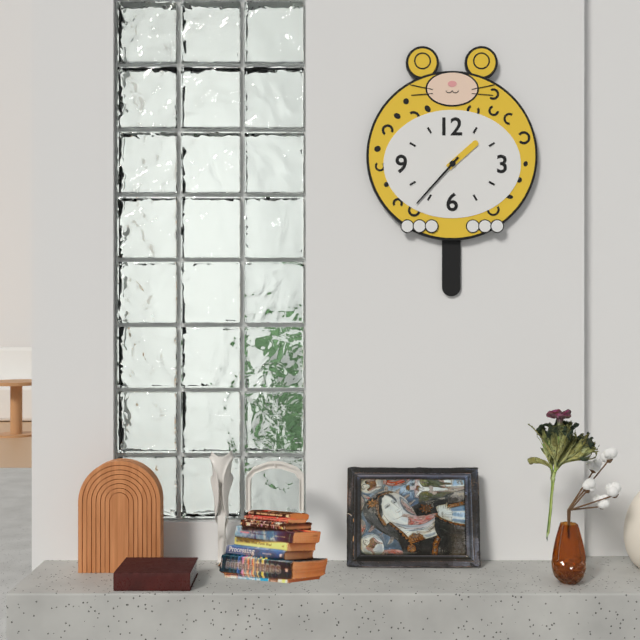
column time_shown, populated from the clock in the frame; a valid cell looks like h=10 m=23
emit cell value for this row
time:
h=1 m=37
